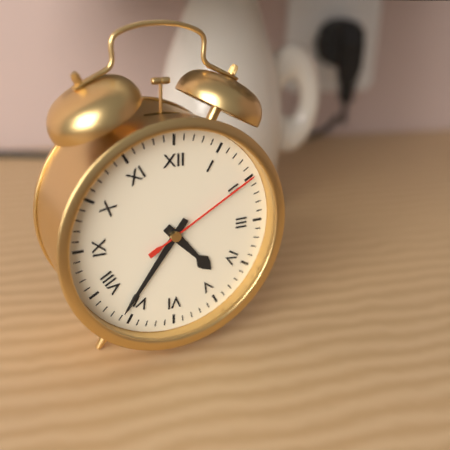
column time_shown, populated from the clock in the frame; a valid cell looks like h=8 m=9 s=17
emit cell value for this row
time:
h=4 m=36 s=10
